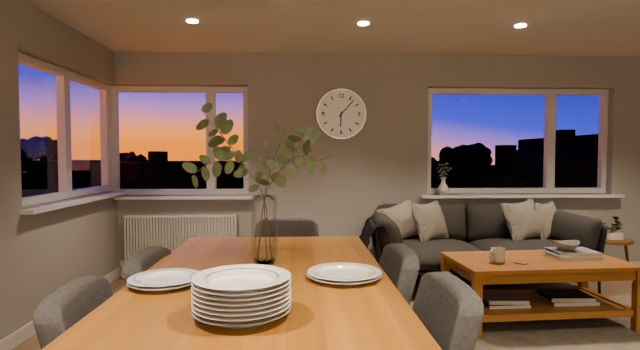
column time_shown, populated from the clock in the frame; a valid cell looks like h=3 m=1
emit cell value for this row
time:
h=6 m=7
